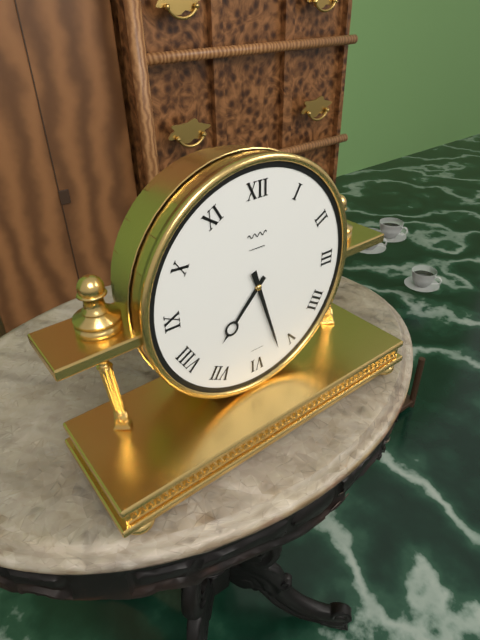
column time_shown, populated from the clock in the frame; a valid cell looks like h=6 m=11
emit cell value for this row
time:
h=7 m=27
